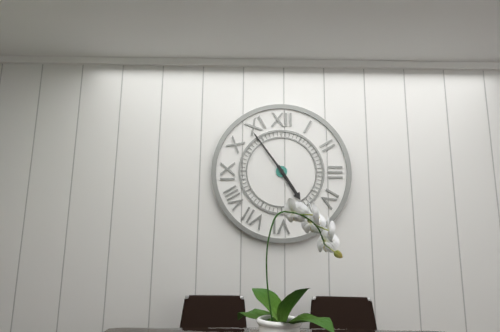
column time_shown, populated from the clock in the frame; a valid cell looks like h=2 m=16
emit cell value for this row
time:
h=4 m=54
